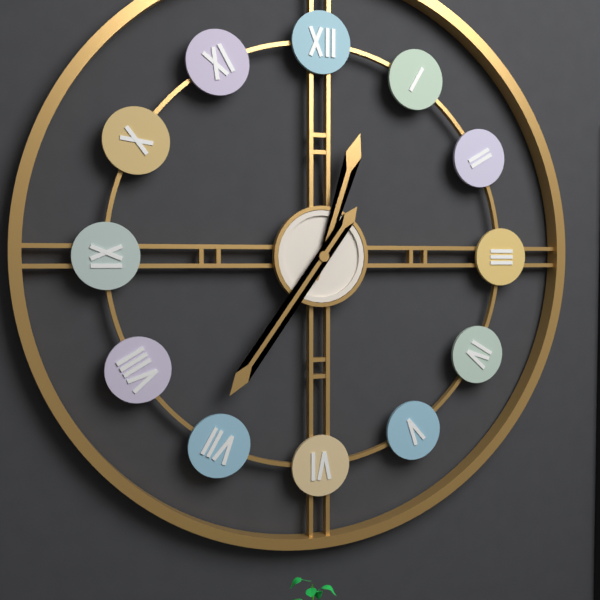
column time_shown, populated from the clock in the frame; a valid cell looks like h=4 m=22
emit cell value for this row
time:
h=12 m=36
